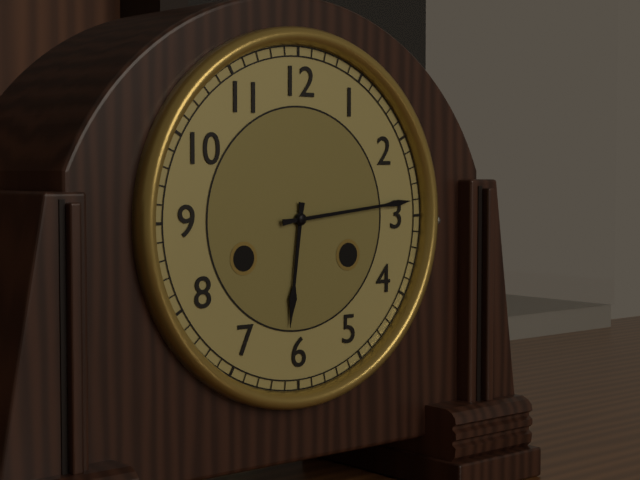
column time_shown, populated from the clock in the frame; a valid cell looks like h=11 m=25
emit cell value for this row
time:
h=6 m=14
